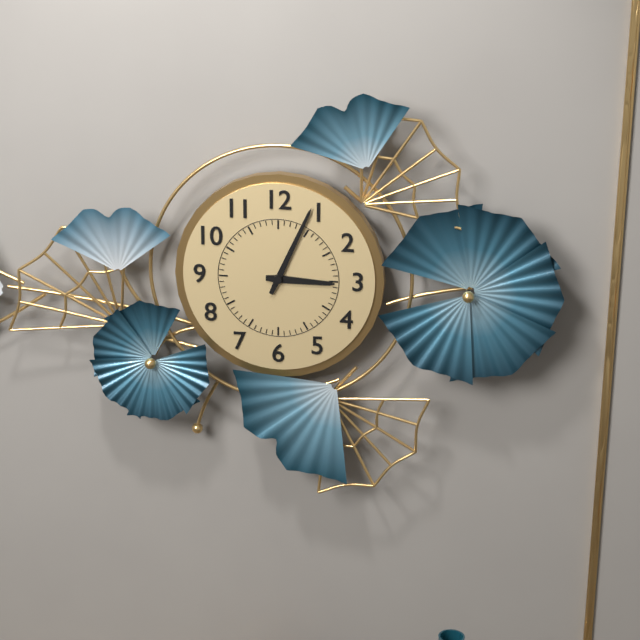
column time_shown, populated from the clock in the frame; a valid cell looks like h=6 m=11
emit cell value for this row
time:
h=3 m=4
